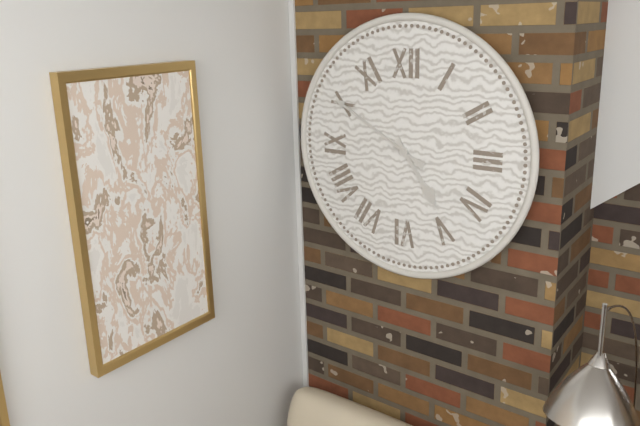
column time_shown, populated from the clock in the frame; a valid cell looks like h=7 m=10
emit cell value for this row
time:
h=4 m=50
